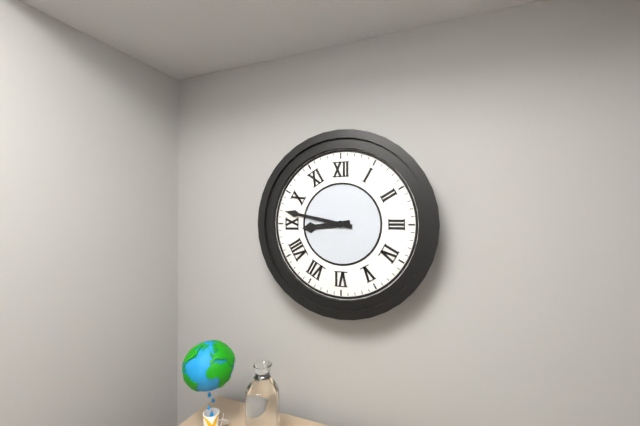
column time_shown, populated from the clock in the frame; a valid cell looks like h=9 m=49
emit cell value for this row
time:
h=8 m=47
